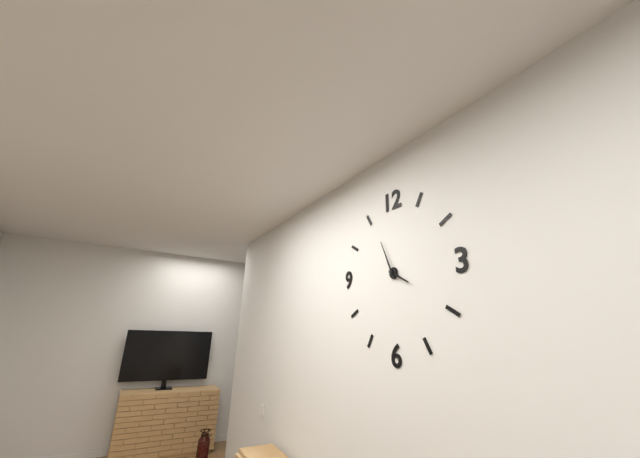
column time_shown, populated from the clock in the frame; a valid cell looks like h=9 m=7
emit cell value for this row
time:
h=3 m=56
